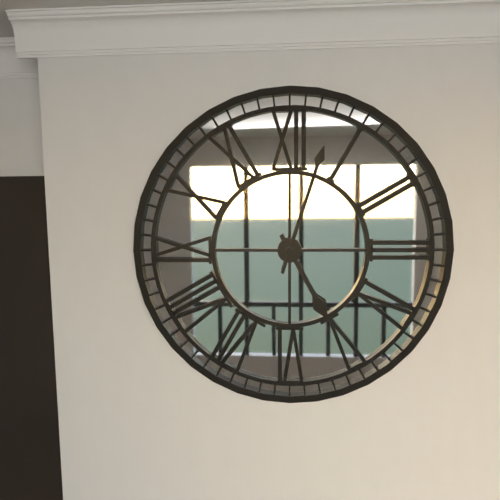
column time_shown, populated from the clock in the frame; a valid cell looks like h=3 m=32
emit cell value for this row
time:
h=5 m=3
